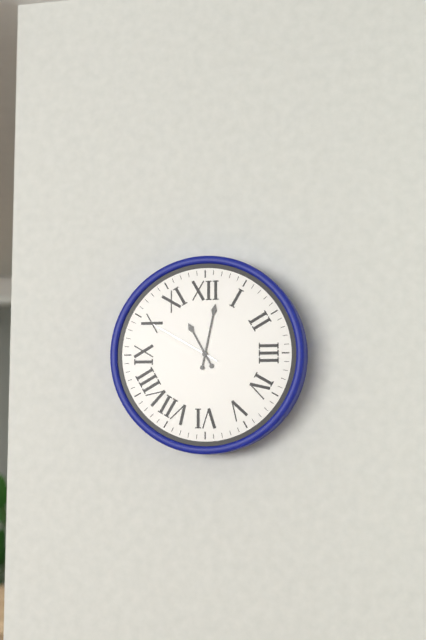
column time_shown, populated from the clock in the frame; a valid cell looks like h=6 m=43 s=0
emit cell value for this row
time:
h=11 m=2 s=50
